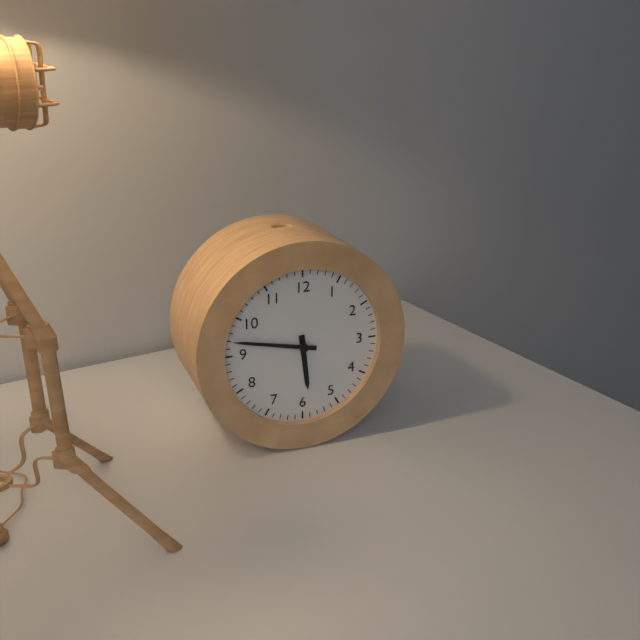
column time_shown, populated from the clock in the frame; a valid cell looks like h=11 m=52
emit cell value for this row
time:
h=5 m=47
